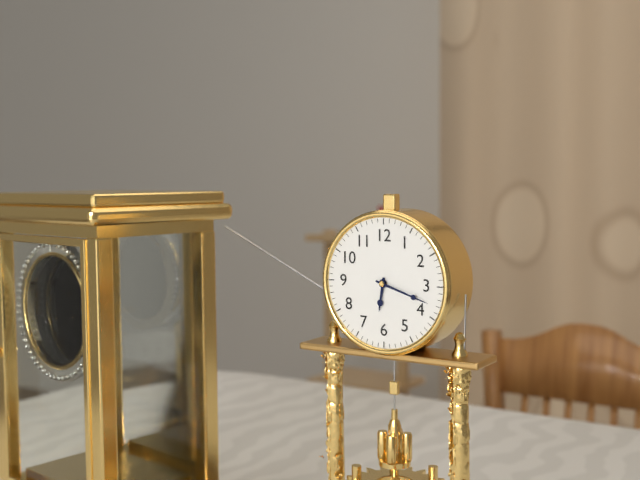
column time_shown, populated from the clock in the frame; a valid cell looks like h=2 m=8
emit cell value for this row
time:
h=6 m=18
